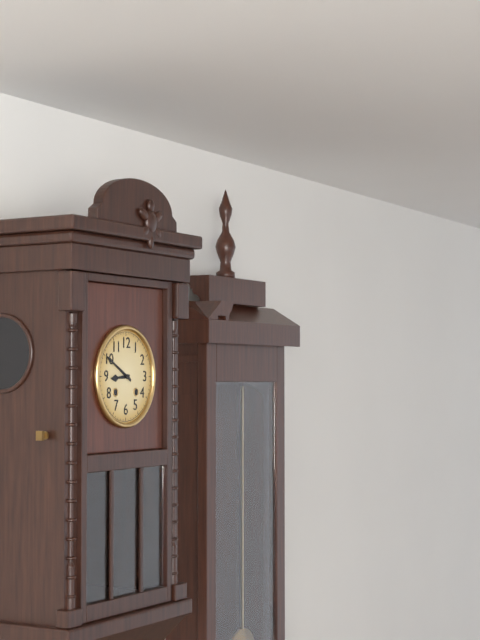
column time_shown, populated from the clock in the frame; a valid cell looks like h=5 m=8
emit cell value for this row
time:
h=8 m=50
